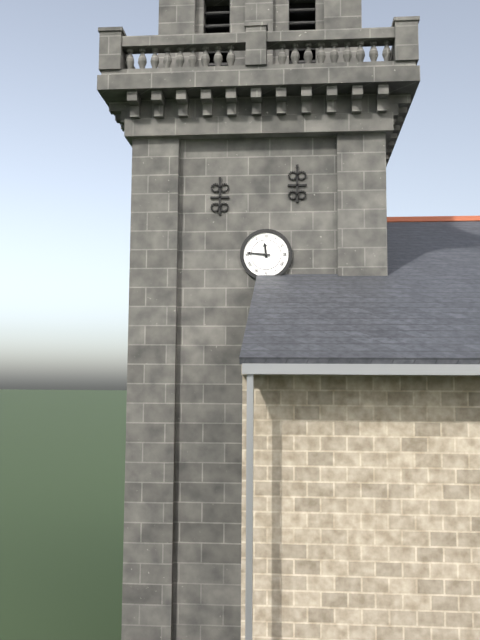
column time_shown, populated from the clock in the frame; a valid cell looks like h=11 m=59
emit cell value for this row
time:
h=11 m=46
